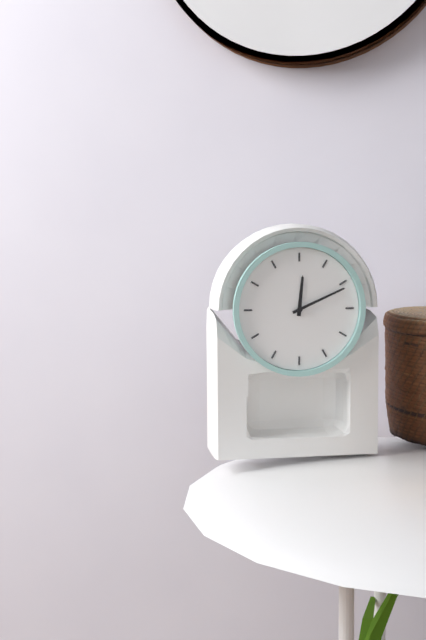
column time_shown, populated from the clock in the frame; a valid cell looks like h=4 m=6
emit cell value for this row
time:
h=12 m=11
